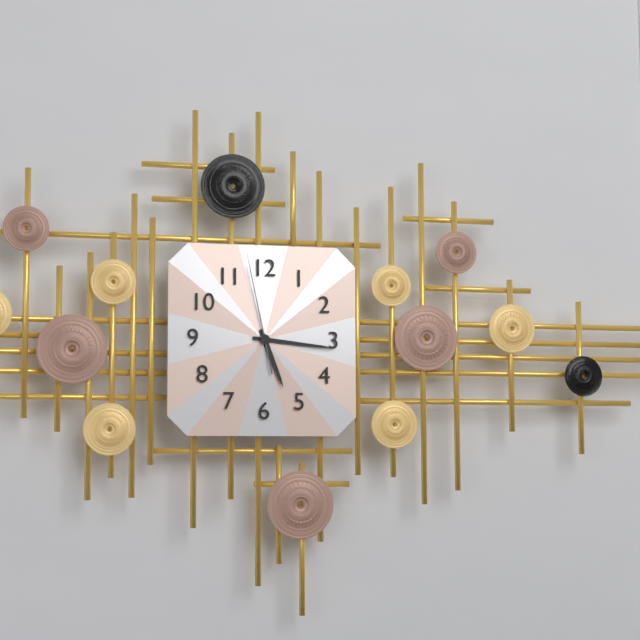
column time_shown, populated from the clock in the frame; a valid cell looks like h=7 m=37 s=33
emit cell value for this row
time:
h=5 m=16 s=58
